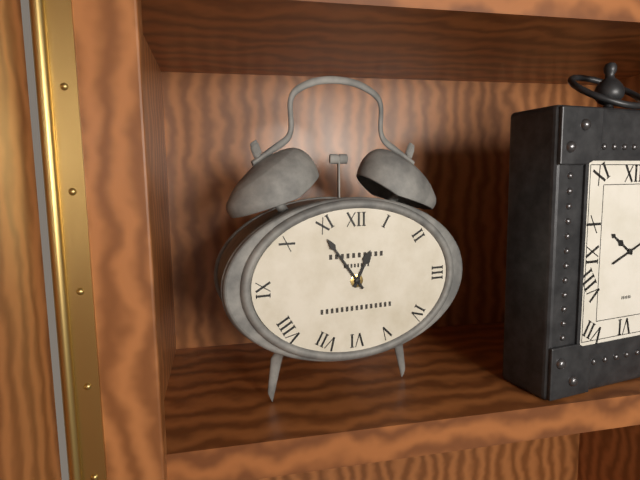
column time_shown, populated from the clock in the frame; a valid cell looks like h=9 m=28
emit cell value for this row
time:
h=12 m=54
